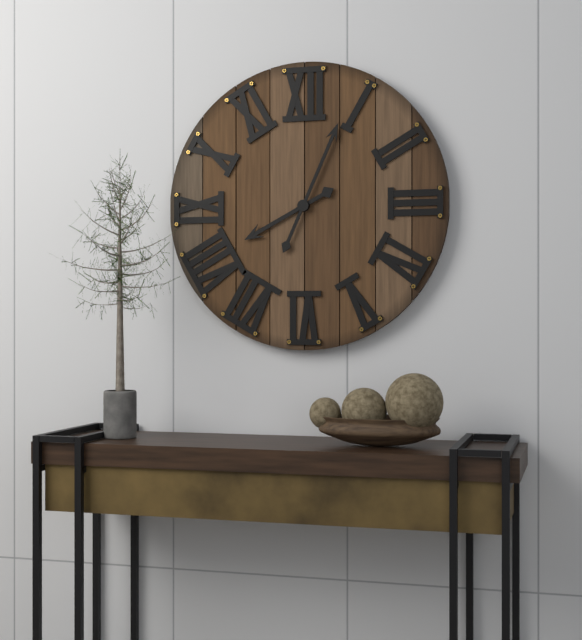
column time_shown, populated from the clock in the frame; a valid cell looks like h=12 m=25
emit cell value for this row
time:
h=8 m=4
